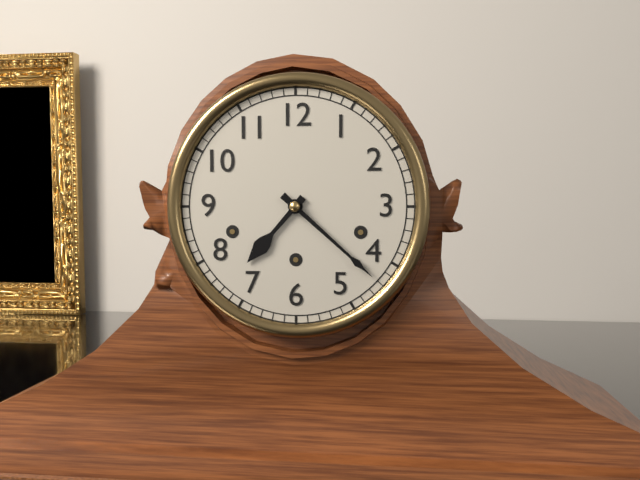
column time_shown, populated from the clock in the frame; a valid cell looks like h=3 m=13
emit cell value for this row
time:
h=7 m=22
